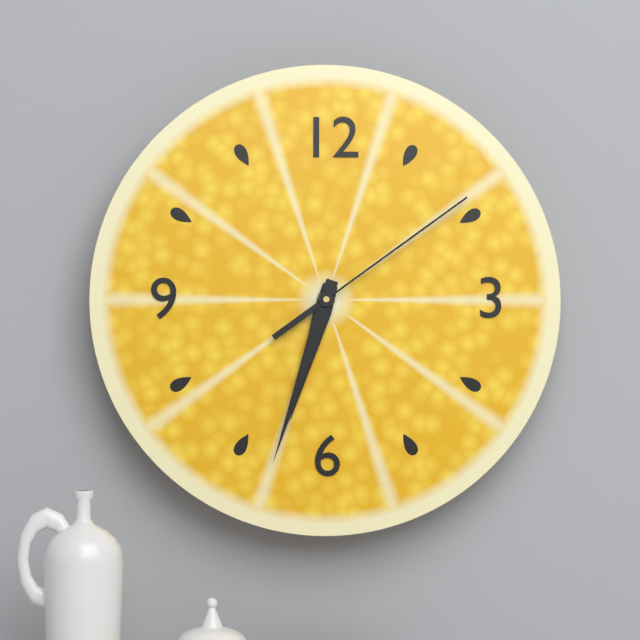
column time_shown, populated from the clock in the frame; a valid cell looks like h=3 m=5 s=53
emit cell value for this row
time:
h=6 m=33 s=9
